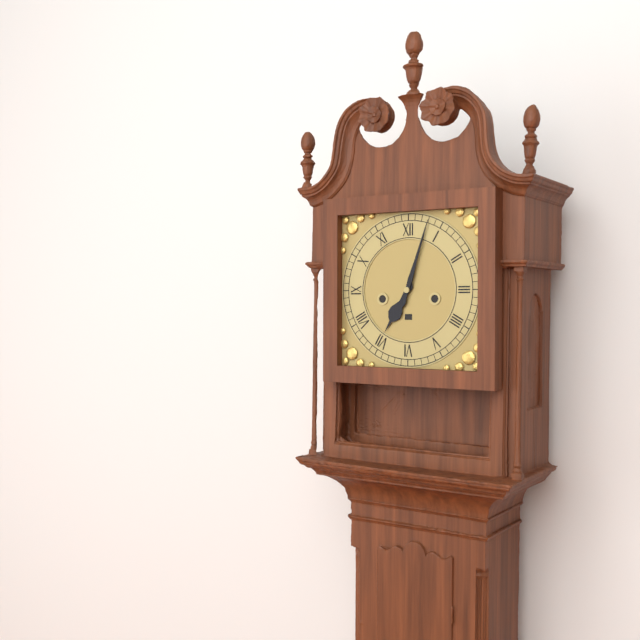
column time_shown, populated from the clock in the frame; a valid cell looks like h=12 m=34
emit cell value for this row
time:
h=7 m=3
